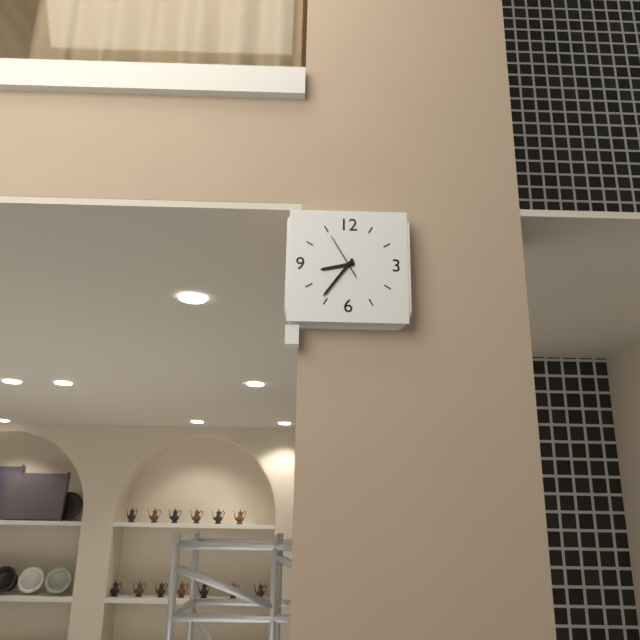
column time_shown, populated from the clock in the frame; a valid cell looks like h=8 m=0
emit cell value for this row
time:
h=8 m=36
